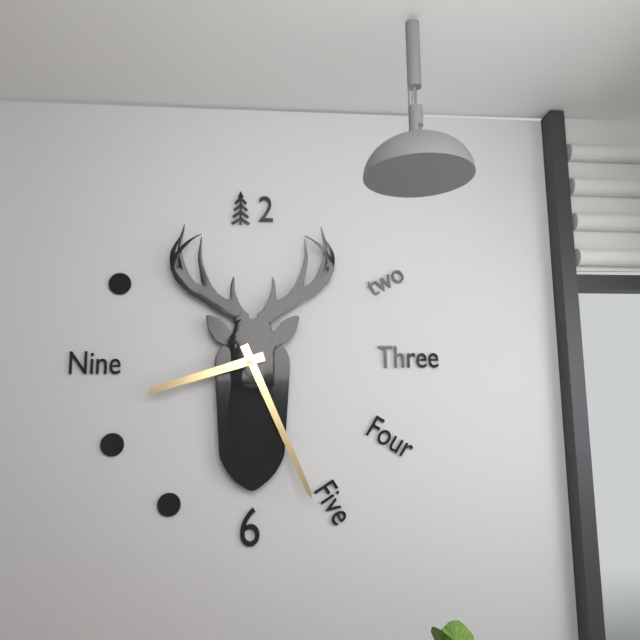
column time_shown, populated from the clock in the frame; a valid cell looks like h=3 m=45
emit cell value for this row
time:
h=8 m=26
